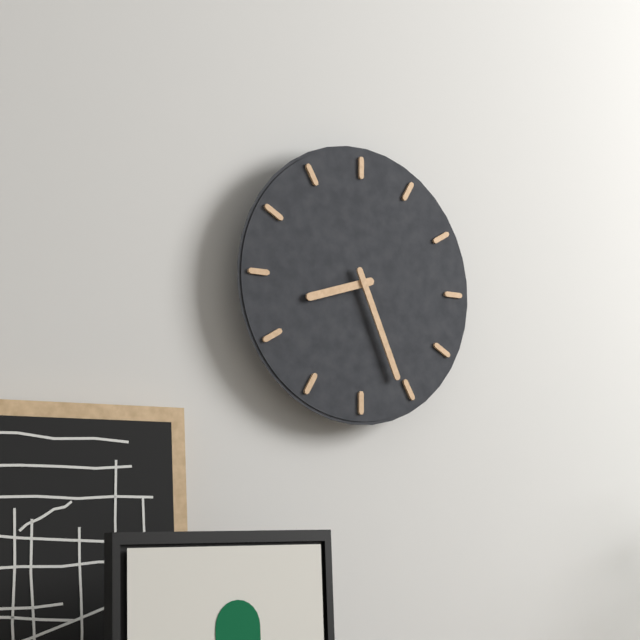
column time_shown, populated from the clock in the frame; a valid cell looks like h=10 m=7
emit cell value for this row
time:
h=8 m=26
